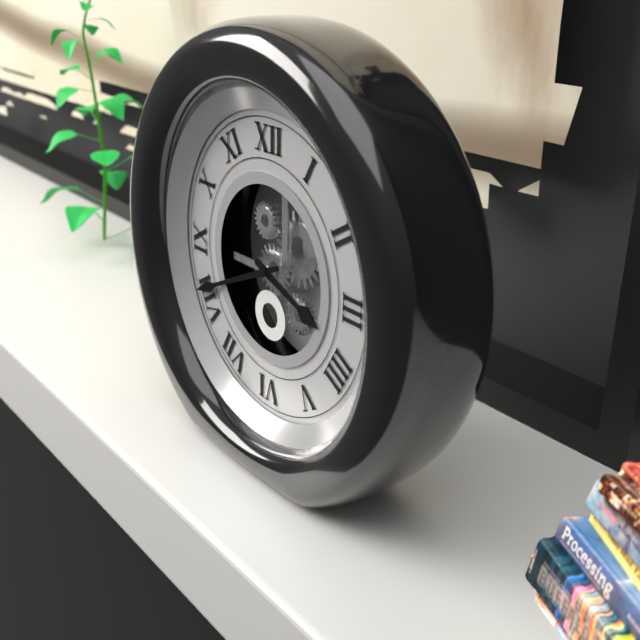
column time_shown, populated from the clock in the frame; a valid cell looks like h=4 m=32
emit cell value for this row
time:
h=3 m=41
